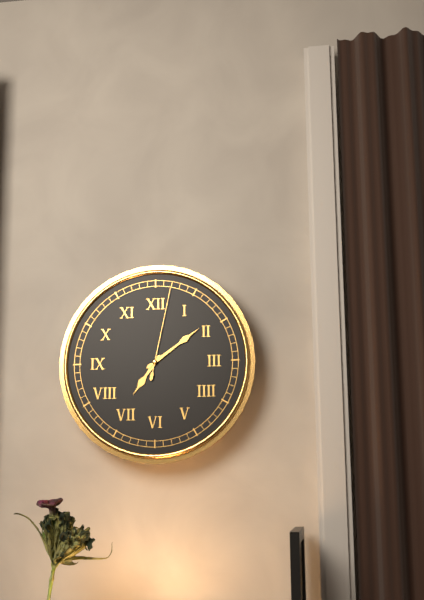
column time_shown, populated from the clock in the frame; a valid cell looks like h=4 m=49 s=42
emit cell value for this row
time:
h=7 m=9 s=2
